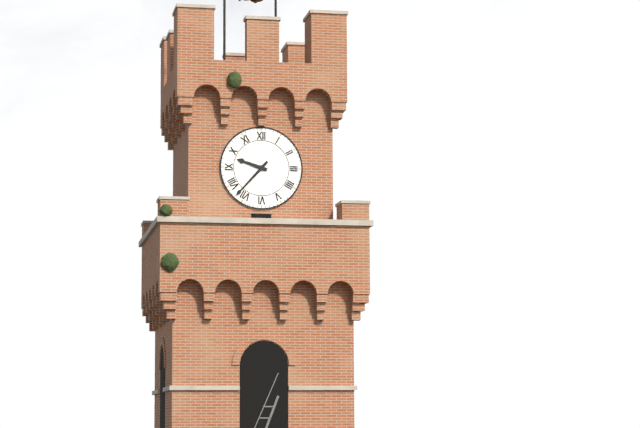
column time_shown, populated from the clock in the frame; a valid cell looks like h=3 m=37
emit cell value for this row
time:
h=9 m=37
